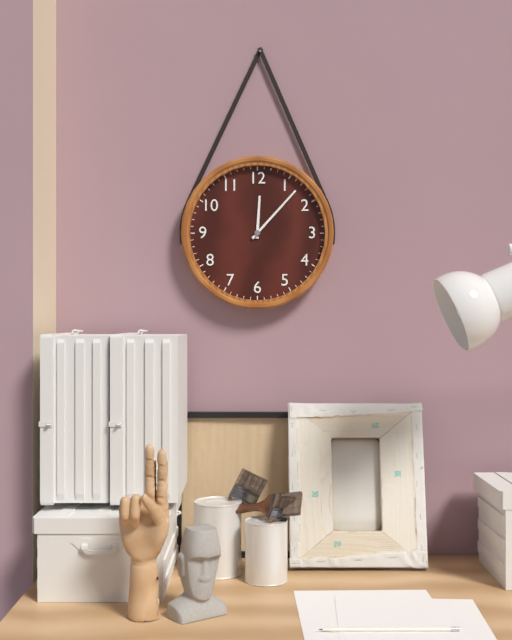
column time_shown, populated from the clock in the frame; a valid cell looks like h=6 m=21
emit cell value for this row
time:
h=12 m=7
